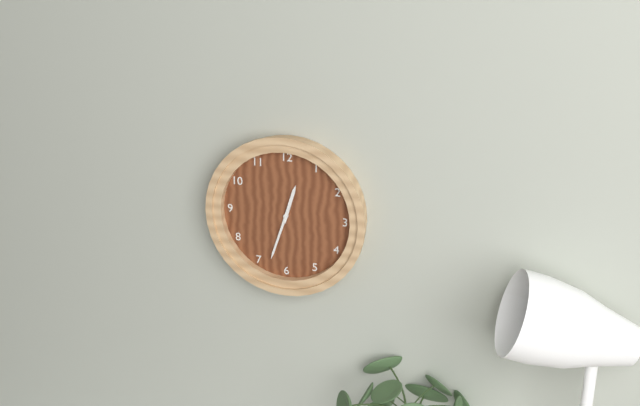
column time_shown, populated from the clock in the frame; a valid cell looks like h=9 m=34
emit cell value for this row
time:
h=12 m=33
